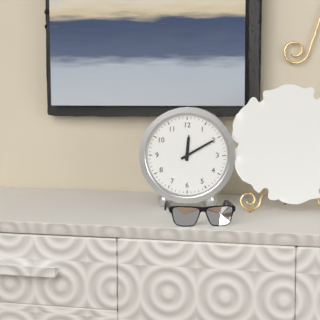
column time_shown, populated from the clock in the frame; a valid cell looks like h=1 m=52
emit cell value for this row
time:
h=12 m=10
